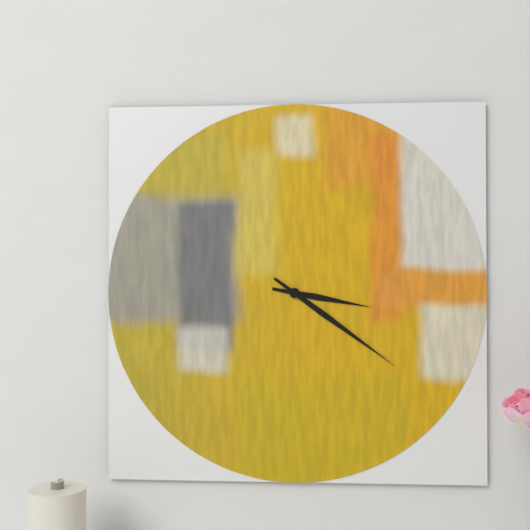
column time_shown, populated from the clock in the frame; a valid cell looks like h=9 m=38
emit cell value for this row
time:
h=3 m=21
